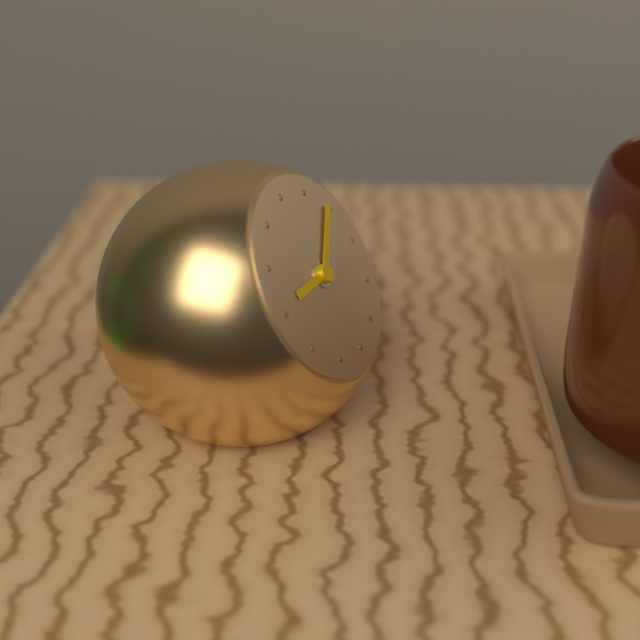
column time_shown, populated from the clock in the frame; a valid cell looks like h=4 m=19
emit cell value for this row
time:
h=9 m=9
